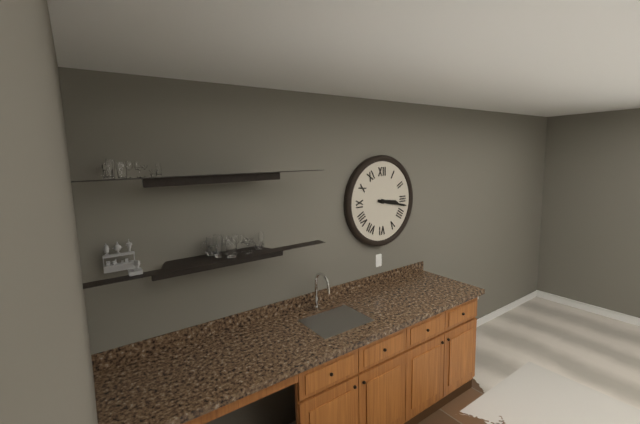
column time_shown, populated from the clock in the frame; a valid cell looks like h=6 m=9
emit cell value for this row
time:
h=3 m=17
